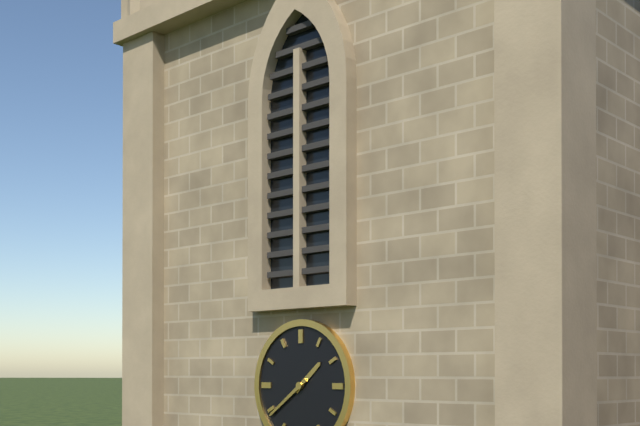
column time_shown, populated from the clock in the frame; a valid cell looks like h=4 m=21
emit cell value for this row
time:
h=1 m=39
